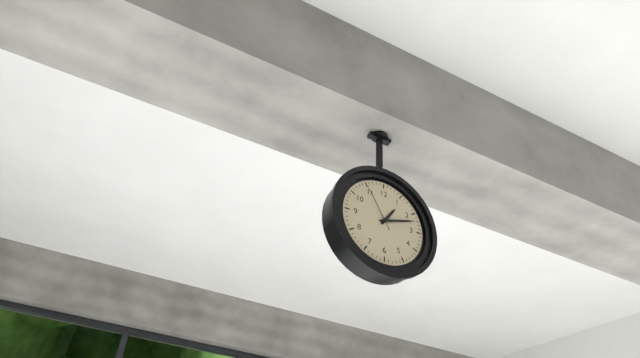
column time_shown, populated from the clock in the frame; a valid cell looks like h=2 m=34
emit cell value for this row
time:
h=1 m=12
